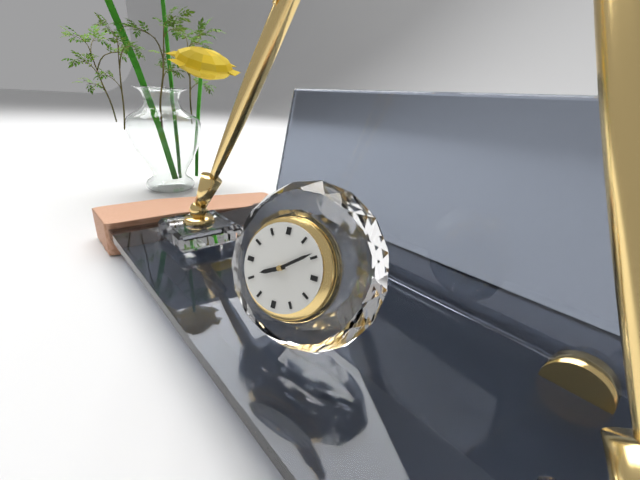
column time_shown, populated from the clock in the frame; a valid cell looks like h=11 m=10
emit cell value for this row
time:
h=8 m=9
